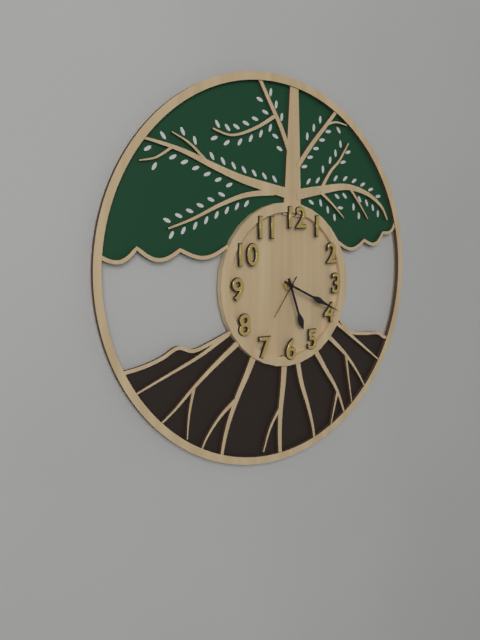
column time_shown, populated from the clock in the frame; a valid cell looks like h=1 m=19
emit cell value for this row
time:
h=5 m=19
